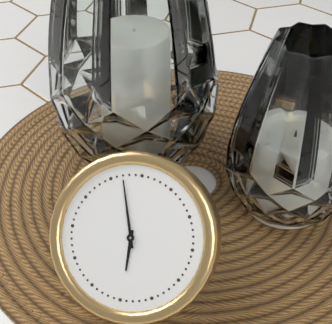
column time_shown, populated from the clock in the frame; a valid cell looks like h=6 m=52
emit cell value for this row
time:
h=5 m=57
